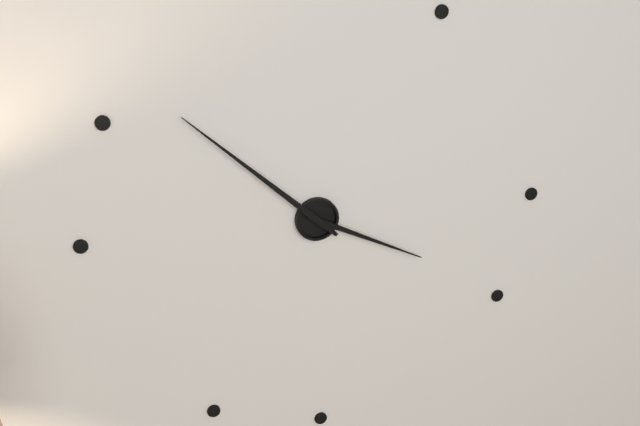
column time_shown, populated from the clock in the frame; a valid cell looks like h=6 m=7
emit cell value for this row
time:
h=3 m=52
